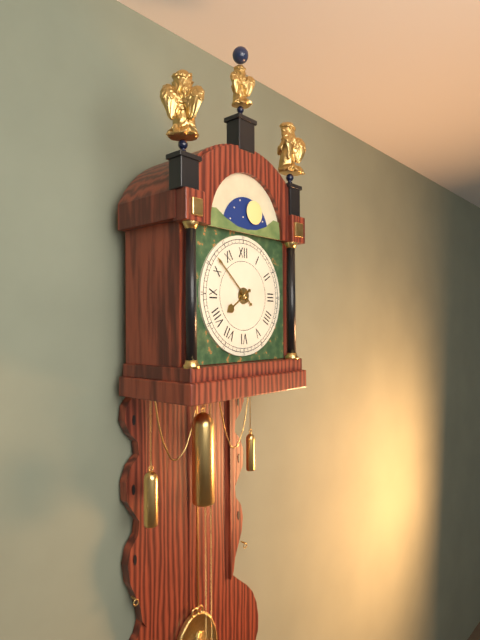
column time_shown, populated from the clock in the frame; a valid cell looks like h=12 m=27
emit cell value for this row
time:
h=7 m=52
